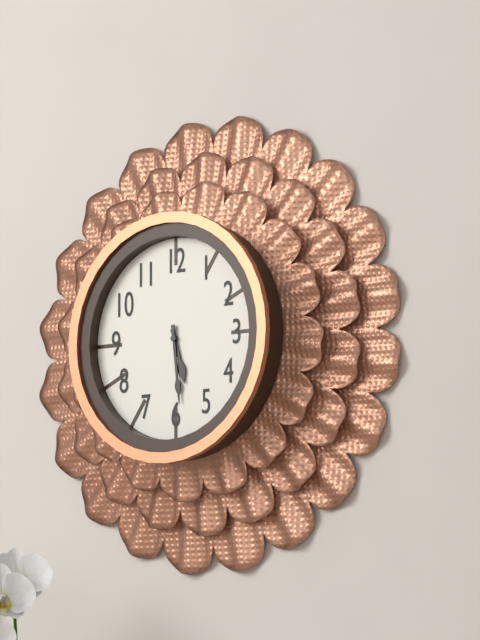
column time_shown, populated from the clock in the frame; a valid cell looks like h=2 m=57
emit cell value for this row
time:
h=5 m=29
